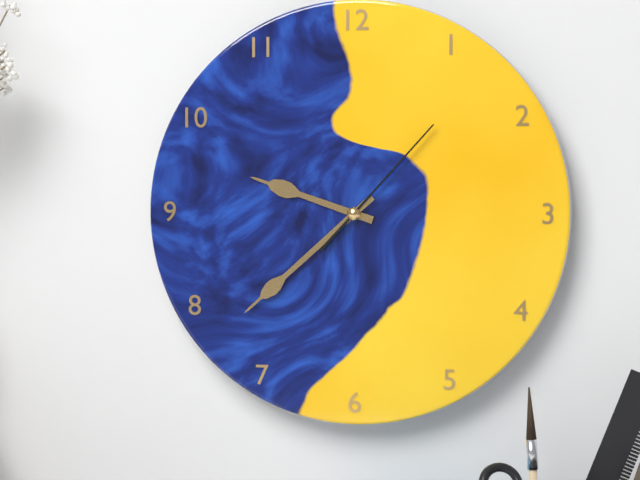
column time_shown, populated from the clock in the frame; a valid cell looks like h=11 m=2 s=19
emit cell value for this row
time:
h=9 m=38 s=7
